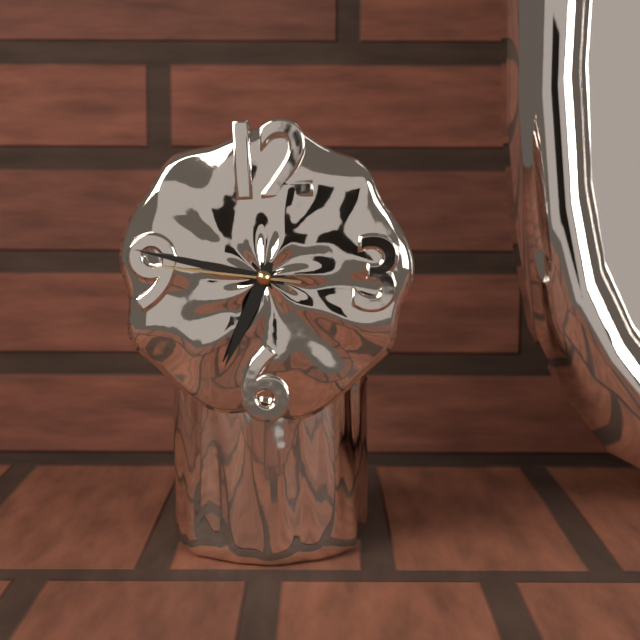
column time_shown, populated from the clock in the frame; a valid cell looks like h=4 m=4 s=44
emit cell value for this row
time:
h=6 m=47 s=46
